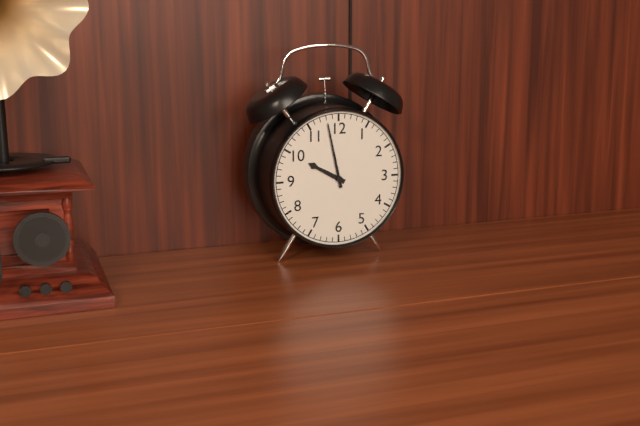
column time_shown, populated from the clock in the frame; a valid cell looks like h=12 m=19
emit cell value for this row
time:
h=9 m=58
